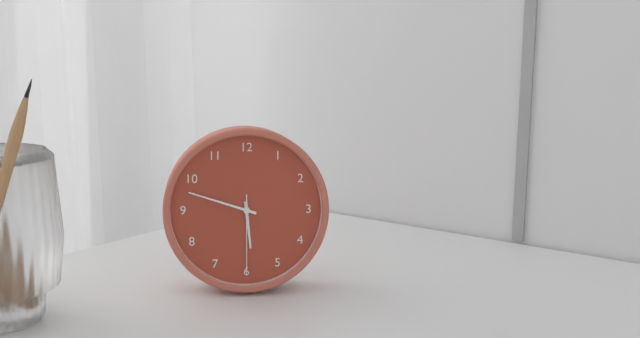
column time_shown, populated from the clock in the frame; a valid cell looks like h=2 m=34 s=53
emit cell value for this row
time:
h=5 m=48 s=30
